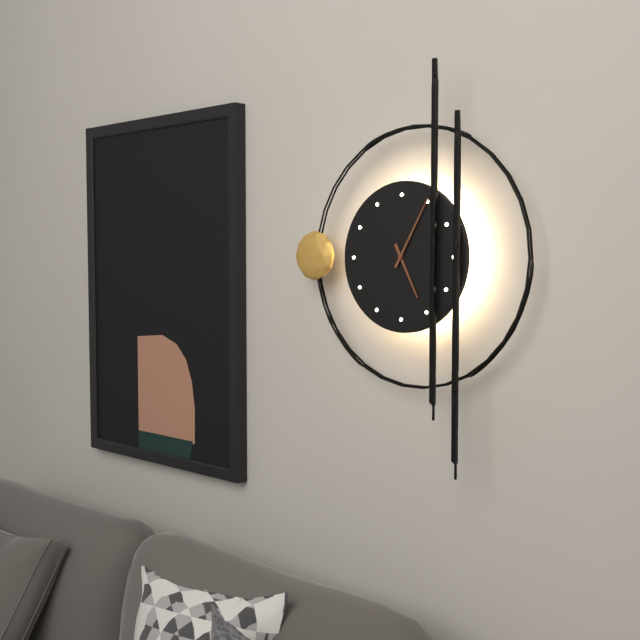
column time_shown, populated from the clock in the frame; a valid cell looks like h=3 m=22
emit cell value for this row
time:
h=5 m=5
